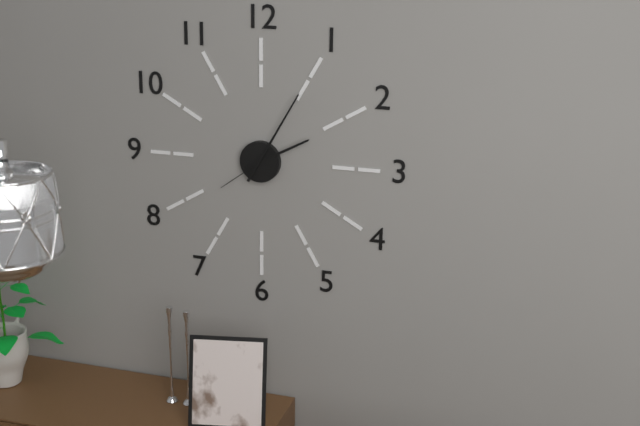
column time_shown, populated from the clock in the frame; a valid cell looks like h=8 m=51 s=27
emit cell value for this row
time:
h=2 m=5 s=39
